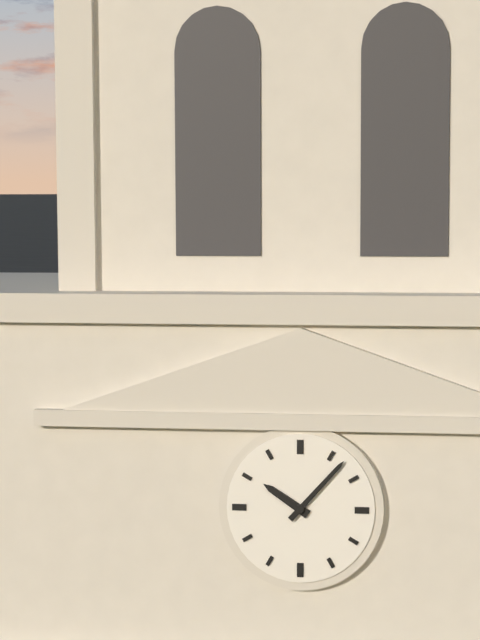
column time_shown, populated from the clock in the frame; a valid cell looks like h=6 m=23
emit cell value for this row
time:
h=10 m=7
